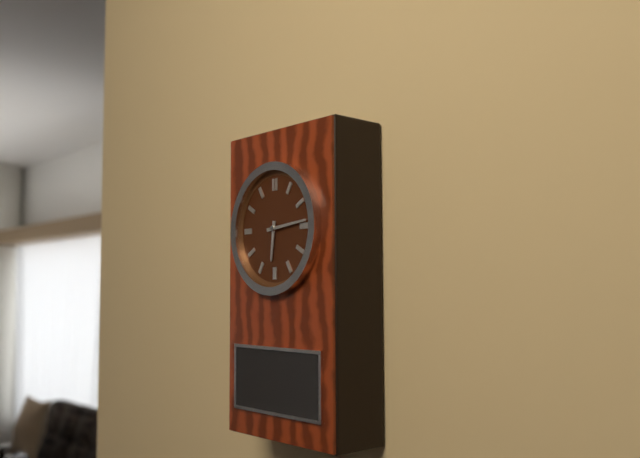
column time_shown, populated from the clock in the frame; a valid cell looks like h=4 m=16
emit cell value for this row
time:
h=6 m=14
